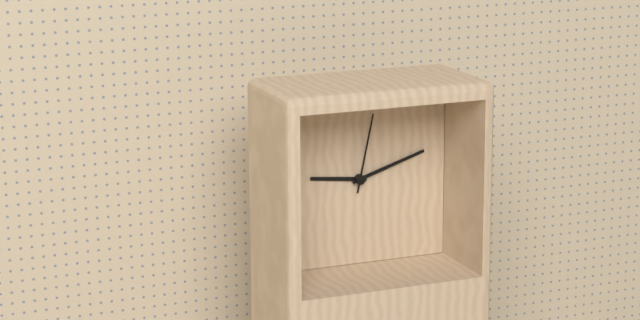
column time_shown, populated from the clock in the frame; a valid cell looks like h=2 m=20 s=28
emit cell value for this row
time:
h=9 m=12 s=2
